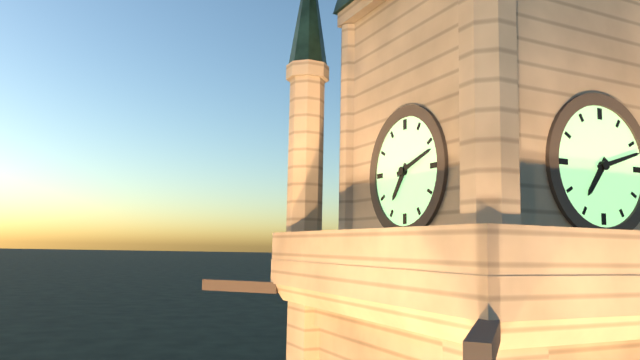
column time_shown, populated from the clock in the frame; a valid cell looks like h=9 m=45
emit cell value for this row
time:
h=7 m=12
